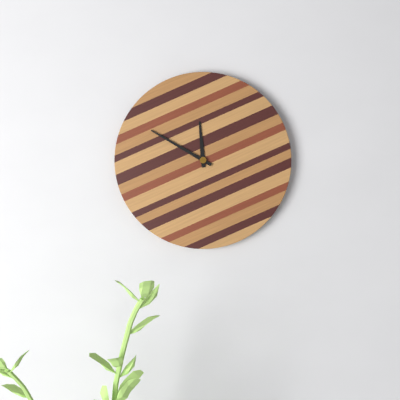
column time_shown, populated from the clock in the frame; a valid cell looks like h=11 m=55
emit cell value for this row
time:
h=11 m=50
